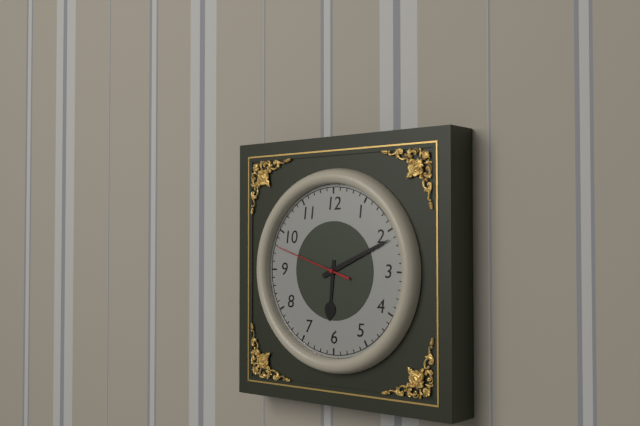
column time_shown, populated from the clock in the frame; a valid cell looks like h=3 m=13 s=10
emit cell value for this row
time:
h=6 m=11 s=48
